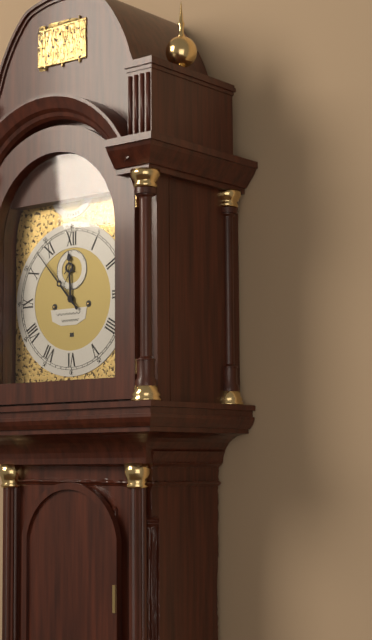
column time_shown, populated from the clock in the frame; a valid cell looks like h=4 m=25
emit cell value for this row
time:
h=11 m=53
